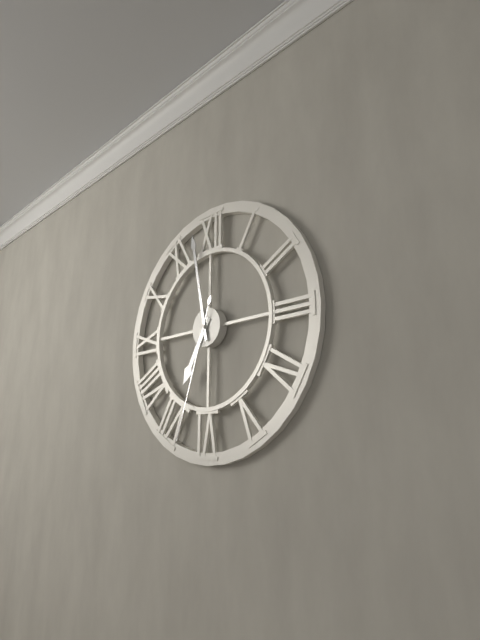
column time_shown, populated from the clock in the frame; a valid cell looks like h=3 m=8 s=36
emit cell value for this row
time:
h=6 m=58 s=33
